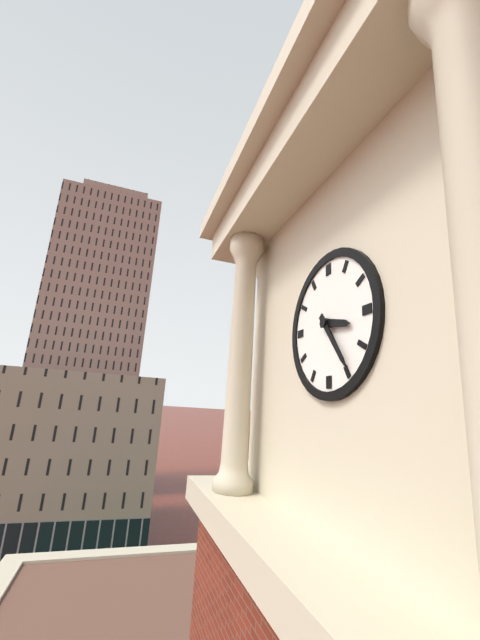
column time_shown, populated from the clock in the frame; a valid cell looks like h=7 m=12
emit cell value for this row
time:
h=3 m=24
